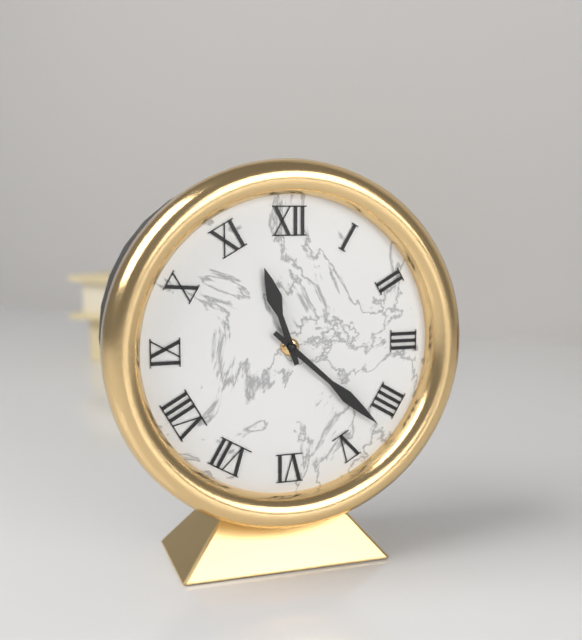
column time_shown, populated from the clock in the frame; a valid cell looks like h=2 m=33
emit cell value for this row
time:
h=11 m=22
